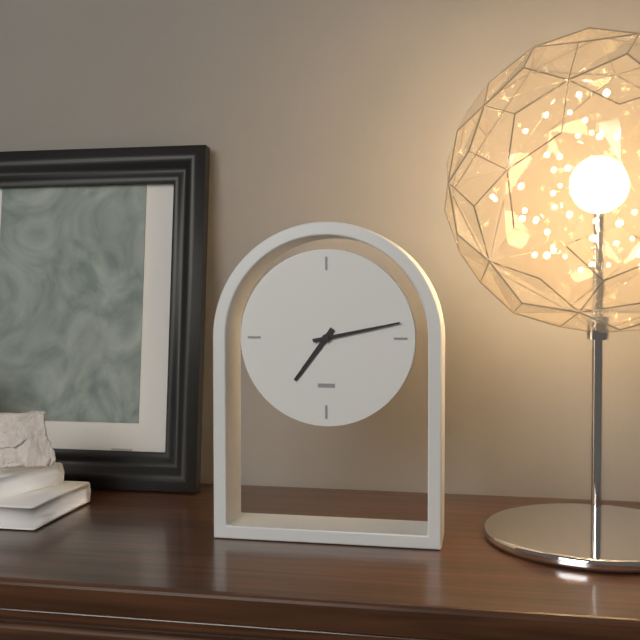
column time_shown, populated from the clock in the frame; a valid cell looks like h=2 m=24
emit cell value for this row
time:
h=7 m=13
